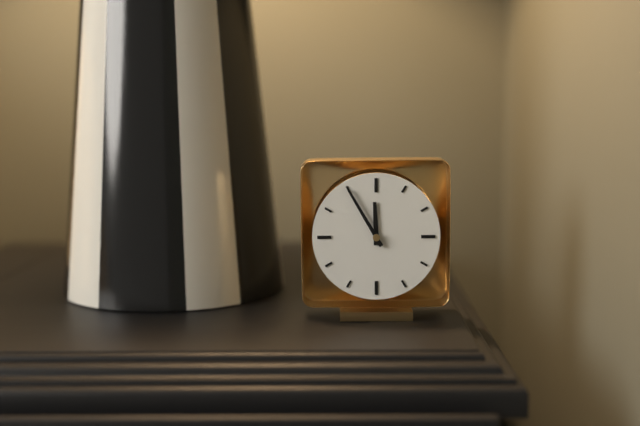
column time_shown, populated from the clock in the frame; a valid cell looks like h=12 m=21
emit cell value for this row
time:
h=11 m=55
